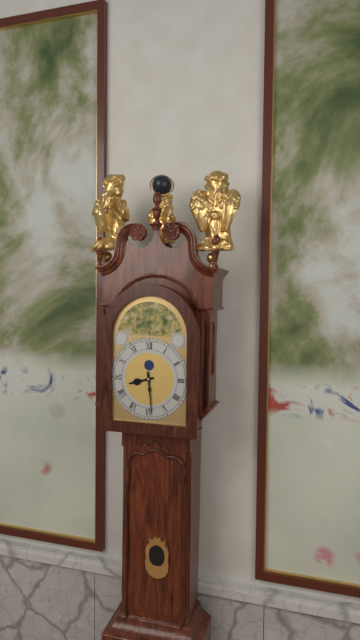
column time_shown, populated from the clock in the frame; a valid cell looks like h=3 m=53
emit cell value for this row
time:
h=8 m=29
